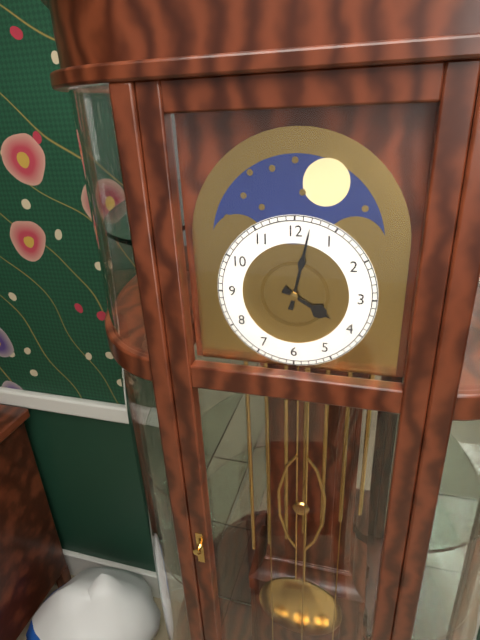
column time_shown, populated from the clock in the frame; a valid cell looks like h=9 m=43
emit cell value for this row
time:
h=4 m=2
